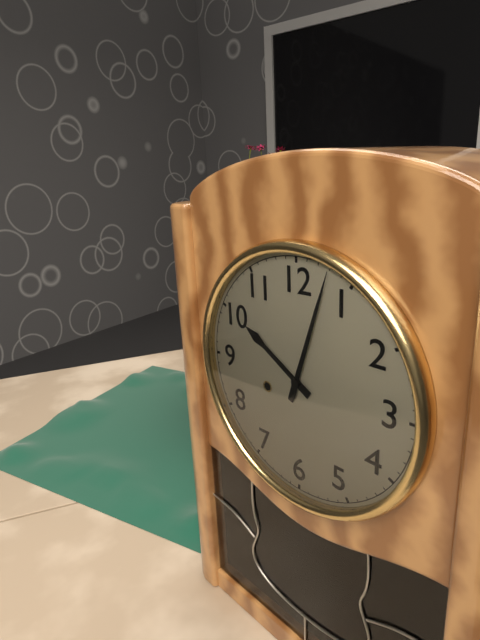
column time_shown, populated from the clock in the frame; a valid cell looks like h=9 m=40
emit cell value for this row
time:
h=10 m=3
